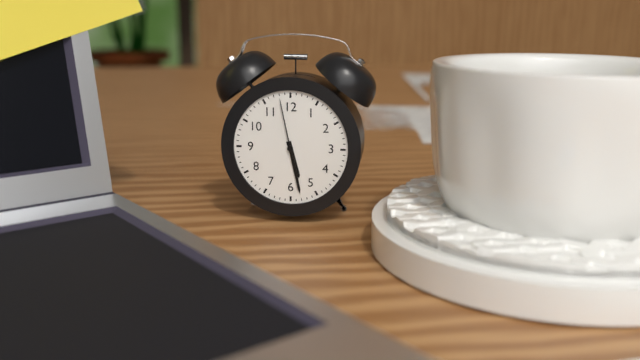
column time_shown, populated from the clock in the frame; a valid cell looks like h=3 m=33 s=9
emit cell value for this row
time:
h=5 m=28 s=58
